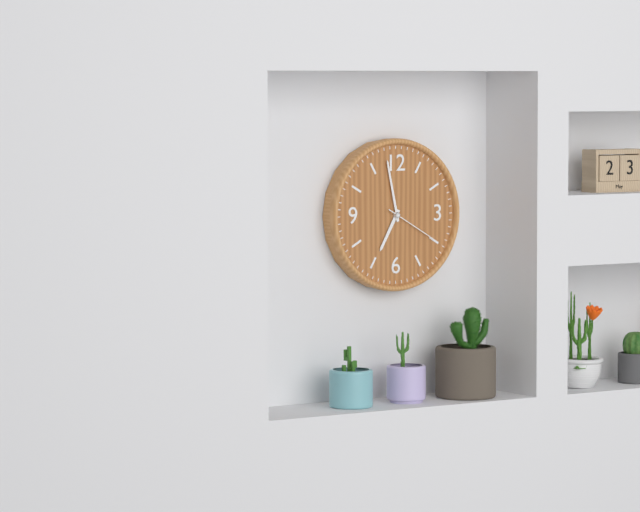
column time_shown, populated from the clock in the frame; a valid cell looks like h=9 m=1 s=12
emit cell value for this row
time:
h=6 m=58 s=20
